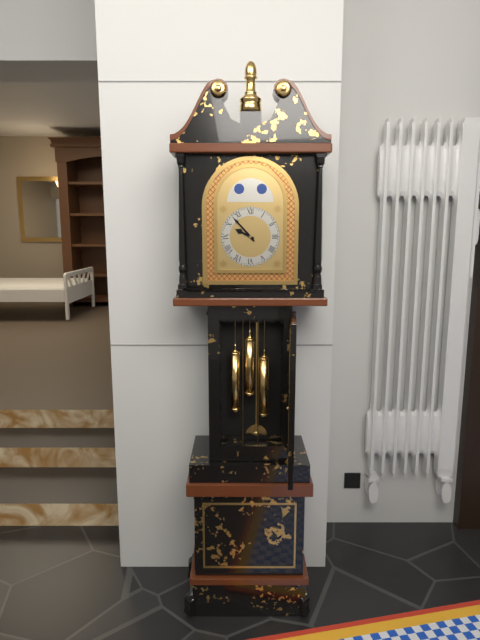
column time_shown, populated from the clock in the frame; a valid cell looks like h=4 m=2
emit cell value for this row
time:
h=9 m=53
